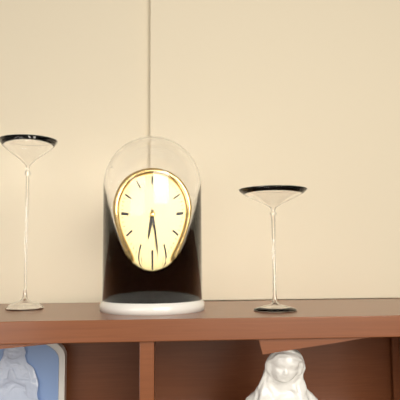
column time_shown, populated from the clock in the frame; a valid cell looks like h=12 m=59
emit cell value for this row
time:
h=6 m=28
